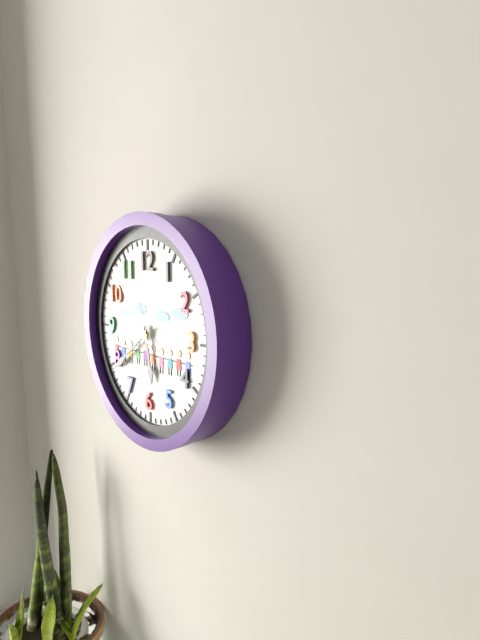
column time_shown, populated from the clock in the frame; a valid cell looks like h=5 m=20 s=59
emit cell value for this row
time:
h=5 m=39 s=53
